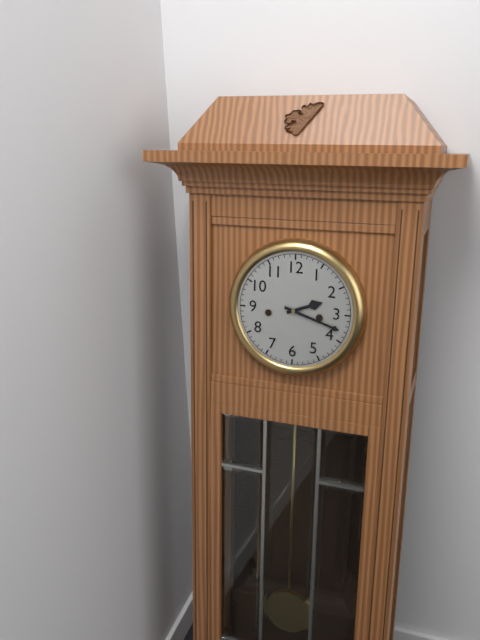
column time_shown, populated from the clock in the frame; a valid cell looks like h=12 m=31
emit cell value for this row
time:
h=2 m=18
